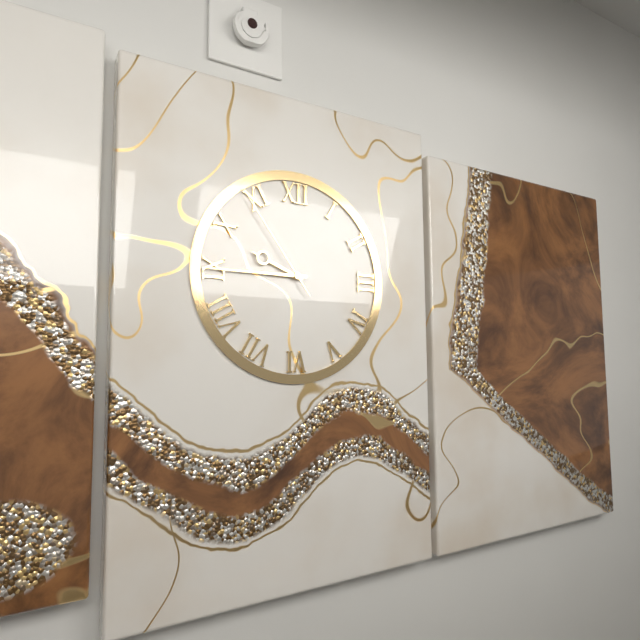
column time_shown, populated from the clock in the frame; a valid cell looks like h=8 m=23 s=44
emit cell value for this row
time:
h=9 m=45 s=54
